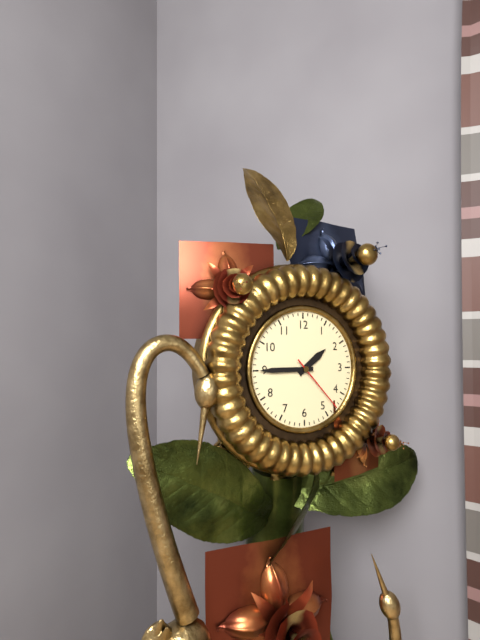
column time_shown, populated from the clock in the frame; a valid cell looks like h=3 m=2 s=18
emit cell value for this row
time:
h=1 m=45 s=23
